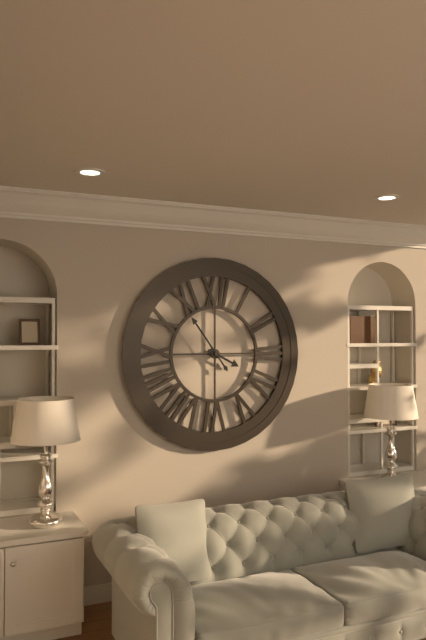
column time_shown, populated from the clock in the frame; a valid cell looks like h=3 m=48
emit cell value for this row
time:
h=3 m=54
